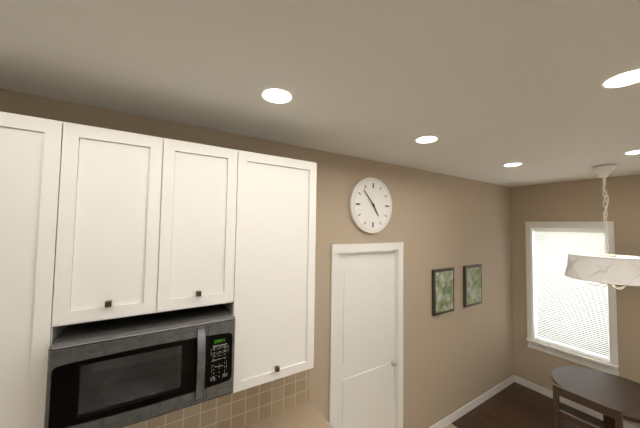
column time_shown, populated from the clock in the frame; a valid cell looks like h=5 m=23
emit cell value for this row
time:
h=4 m=53
